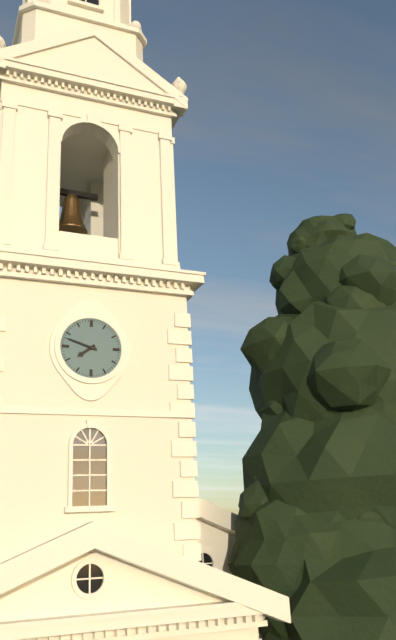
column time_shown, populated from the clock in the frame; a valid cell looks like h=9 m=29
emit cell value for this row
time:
h=7 m=48
